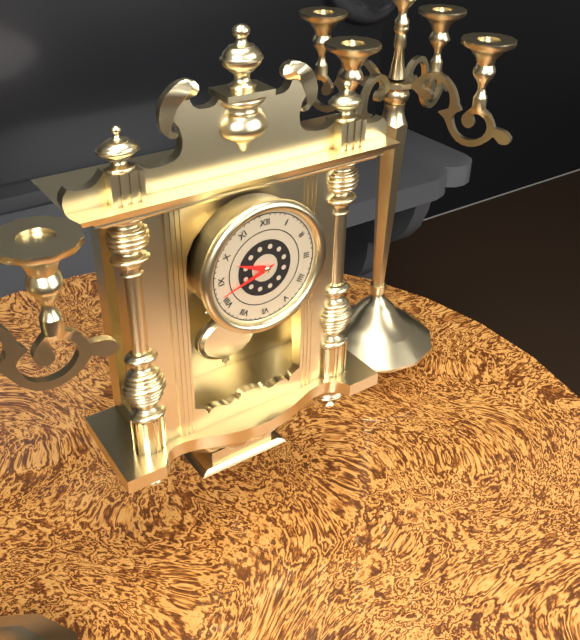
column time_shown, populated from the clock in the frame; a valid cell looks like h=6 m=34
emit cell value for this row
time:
h=9 m=42
